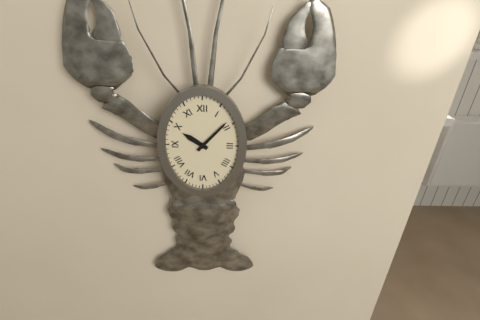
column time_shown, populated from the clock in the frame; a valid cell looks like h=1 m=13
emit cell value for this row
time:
h=10 m=7
